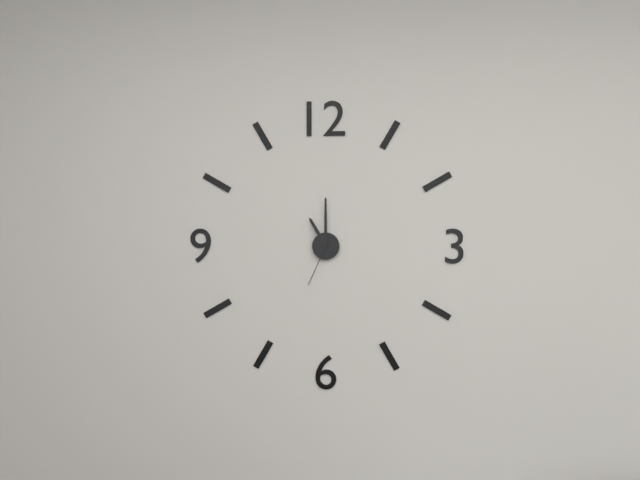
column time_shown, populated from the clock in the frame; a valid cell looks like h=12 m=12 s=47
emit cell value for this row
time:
h=11 m=0 s=34
